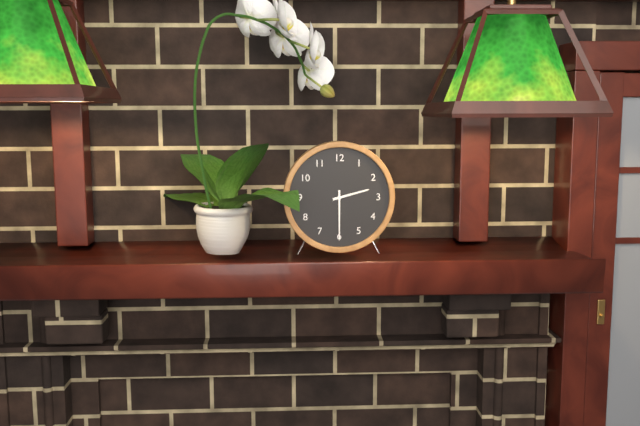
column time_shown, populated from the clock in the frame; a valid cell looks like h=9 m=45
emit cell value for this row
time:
h=2 m=30
